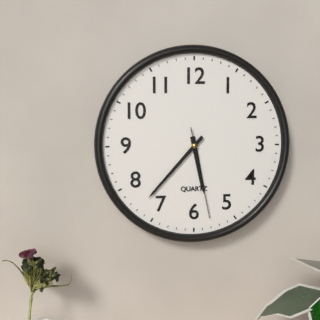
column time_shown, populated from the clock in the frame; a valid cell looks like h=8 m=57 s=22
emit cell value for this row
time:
h=5 m=37 s=28
